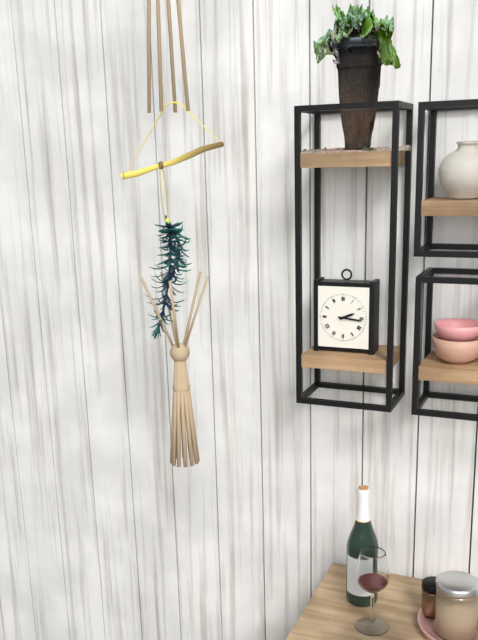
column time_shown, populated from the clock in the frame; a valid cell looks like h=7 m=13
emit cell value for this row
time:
h=2 m=16
